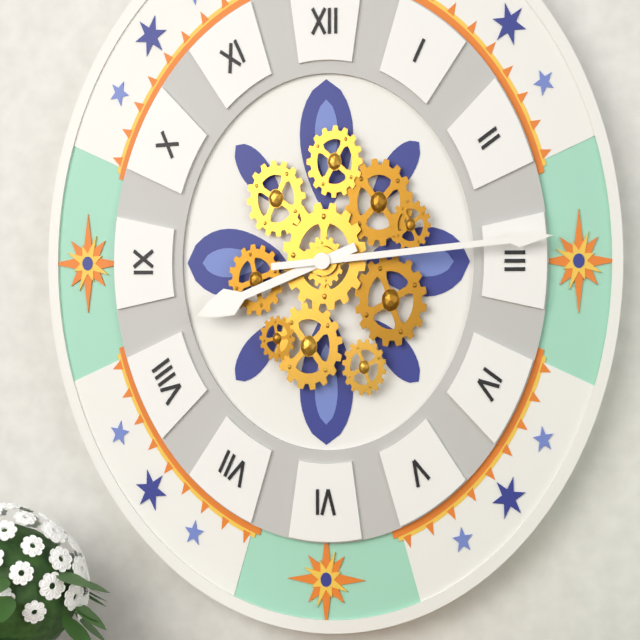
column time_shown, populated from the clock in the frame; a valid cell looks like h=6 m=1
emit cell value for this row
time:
h=8 m=14
